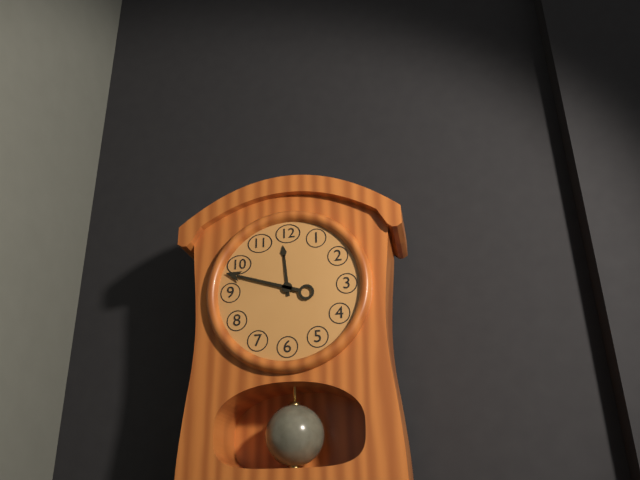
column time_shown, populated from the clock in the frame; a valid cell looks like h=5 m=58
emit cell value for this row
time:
h=11 m=48
